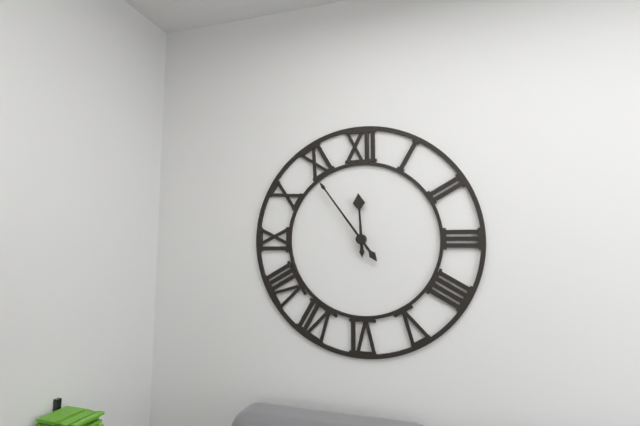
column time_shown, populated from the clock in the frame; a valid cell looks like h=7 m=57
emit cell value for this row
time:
h=11 m=54
